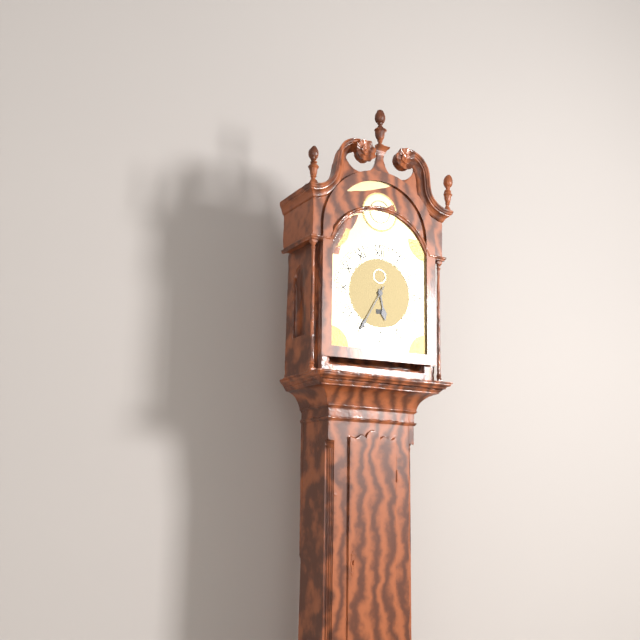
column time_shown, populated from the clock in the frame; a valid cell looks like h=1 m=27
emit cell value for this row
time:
h=5 m=35
